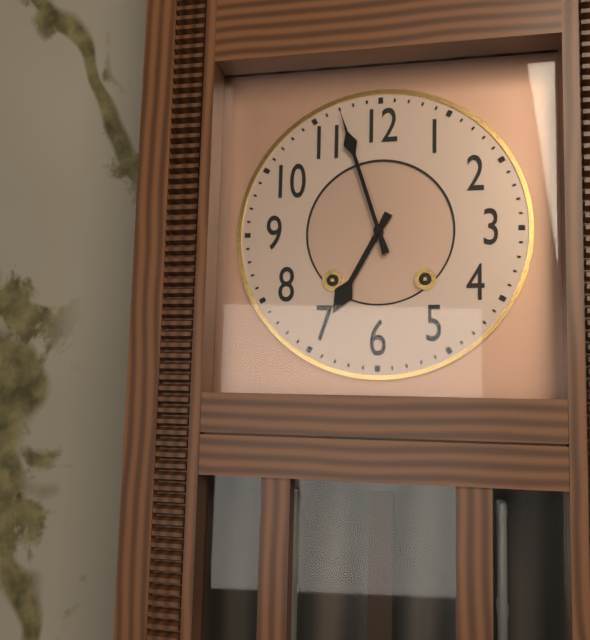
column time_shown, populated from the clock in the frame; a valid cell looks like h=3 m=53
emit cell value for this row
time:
h=6 m=57
